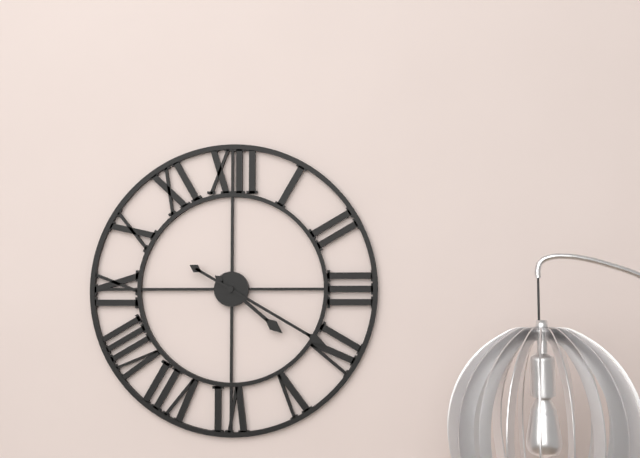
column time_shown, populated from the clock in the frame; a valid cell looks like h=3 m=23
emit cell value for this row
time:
h=4 m=20
